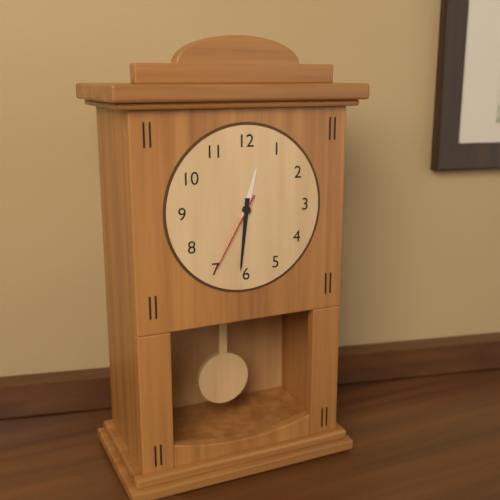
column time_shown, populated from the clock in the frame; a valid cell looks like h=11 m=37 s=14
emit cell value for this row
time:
h=12 m=31 s=35
